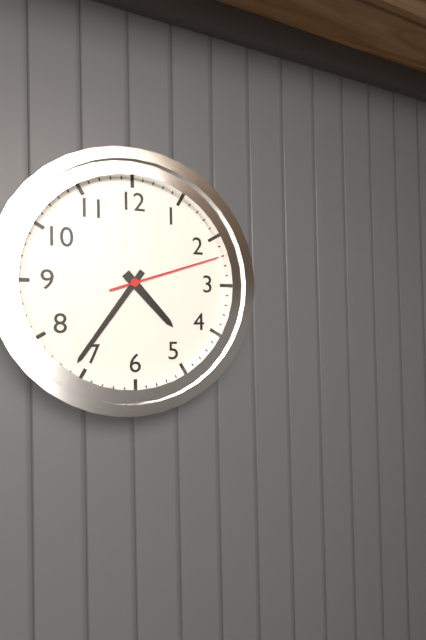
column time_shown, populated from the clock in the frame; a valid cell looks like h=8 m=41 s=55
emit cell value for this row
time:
h=4 m=36 s=12
